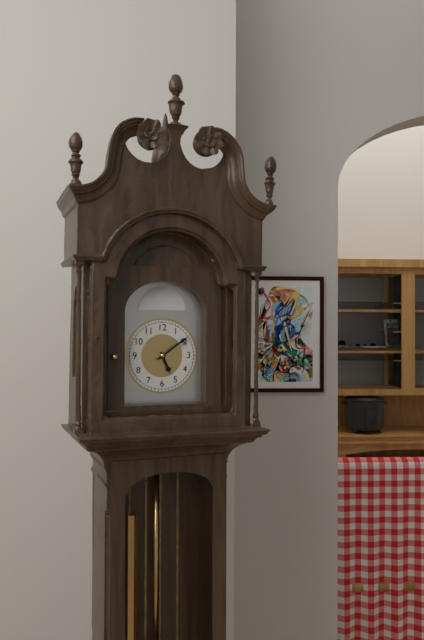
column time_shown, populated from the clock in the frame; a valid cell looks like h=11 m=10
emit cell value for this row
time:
h=5 m=9
